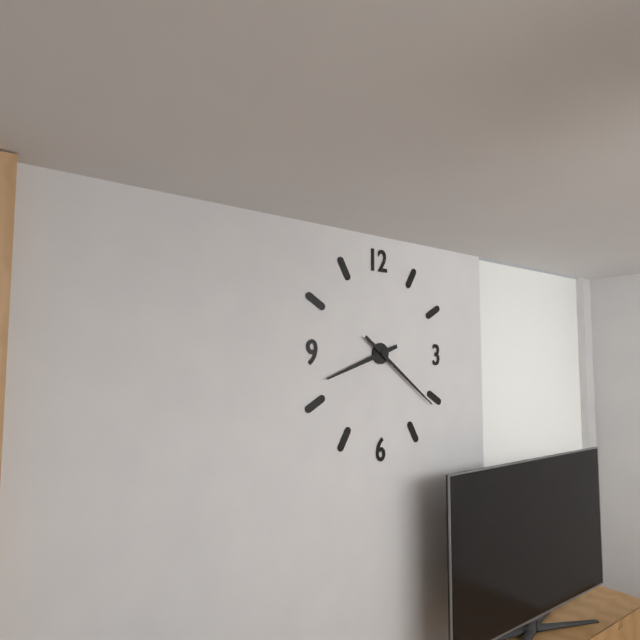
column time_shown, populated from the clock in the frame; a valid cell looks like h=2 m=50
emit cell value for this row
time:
h=8 m=21
